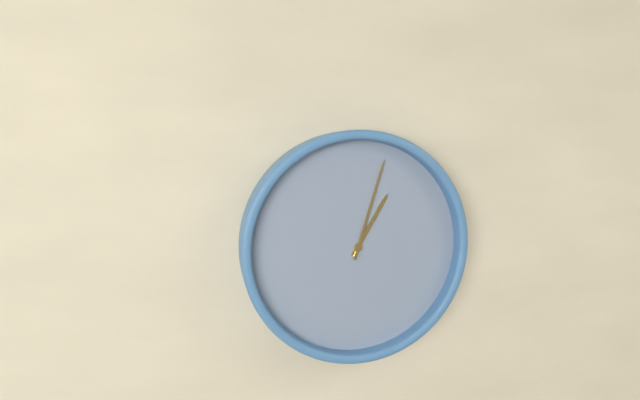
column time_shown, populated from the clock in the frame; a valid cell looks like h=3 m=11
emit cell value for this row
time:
h=1 m=3
